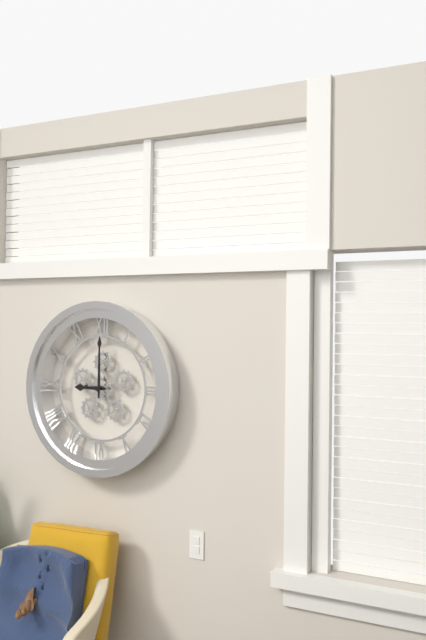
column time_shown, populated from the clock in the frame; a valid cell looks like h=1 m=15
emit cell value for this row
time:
h=9 m=0
